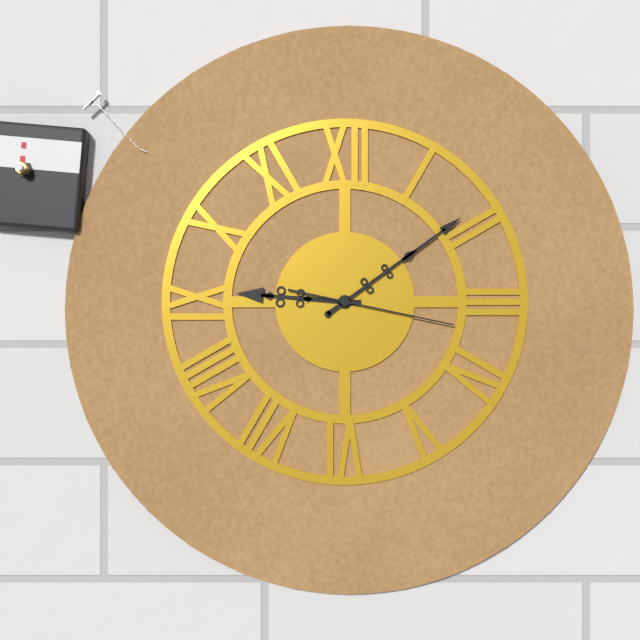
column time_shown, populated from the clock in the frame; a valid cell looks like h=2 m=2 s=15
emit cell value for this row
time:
h=9 m=9 s=17
